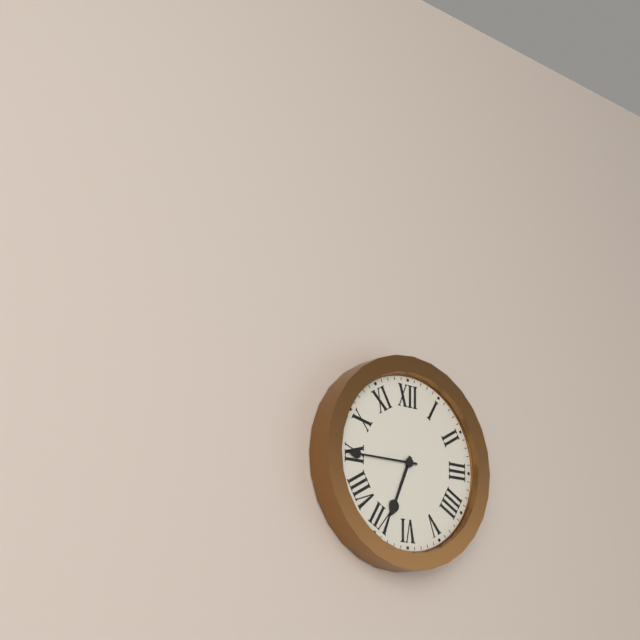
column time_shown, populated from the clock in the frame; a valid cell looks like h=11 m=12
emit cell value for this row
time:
h=6 m=45
